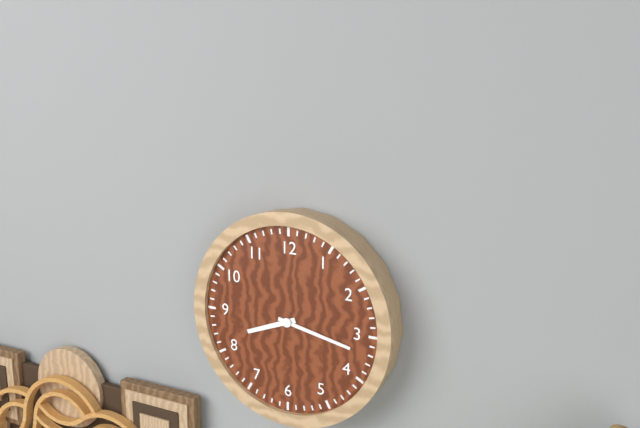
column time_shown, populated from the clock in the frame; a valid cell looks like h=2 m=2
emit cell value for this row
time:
h=8 m=17
